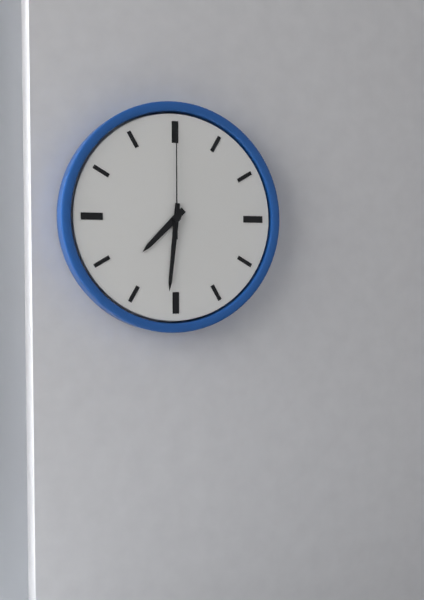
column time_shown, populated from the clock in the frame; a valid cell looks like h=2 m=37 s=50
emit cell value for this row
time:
h=7 m=31 s=0
